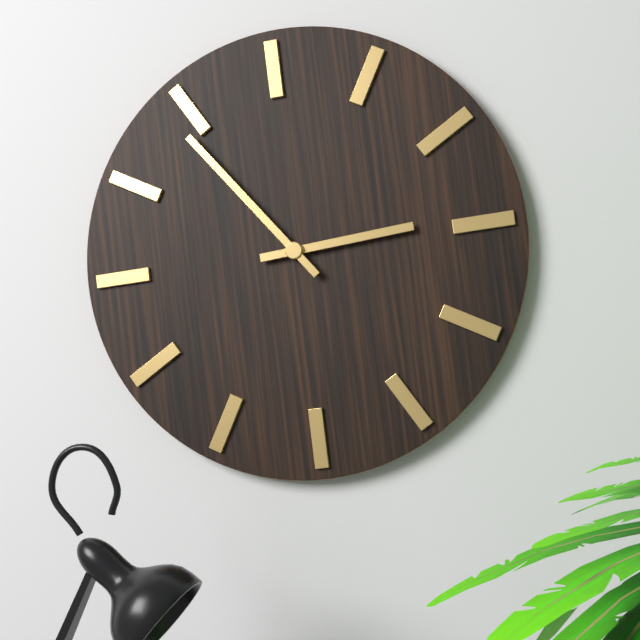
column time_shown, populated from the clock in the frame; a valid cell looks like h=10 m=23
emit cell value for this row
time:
h=2 m=54
